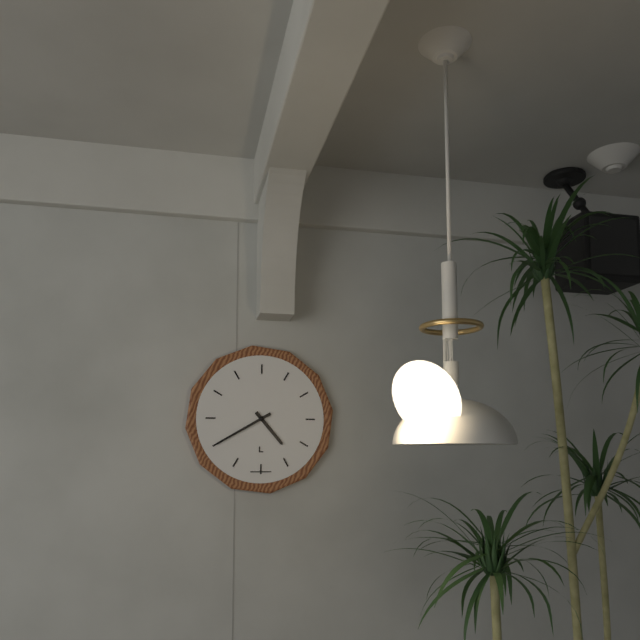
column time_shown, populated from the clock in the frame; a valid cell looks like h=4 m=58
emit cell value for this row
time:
h=4 m=40
